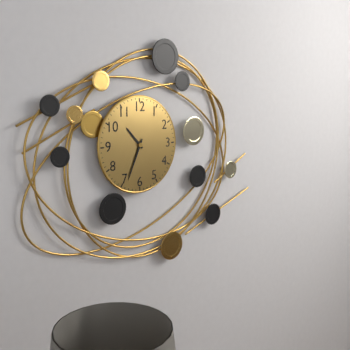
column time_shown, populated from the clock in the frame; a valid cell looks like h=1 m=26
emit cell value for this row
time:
h=10 m=34
